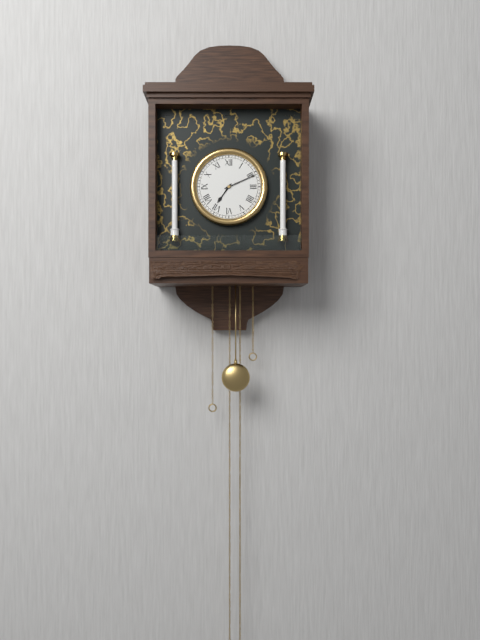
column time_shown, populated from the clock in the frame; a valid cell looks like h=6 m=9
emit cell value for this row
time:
h=7 m=11
